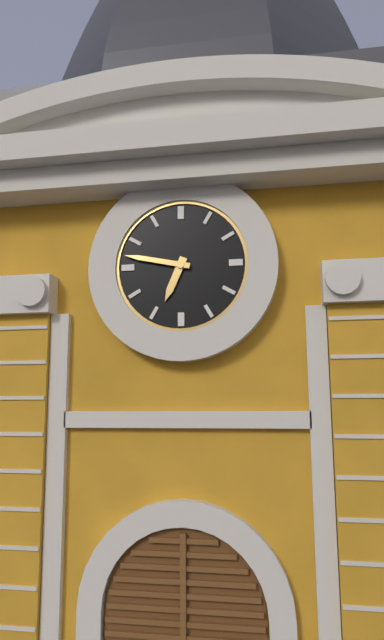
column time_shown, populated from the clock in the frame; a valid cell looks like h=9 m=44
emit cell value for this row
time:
h=6 m=47
